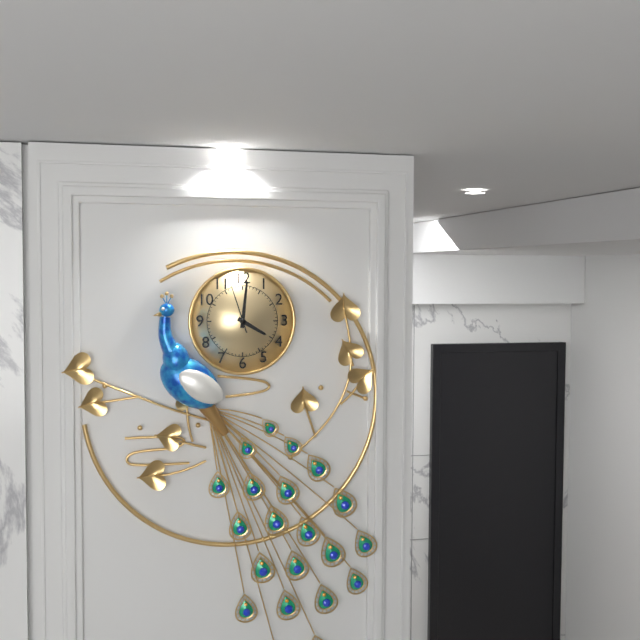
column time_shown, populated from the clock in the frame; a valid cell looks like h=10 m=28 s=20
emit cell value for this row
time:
h=4 m=1 s=57
